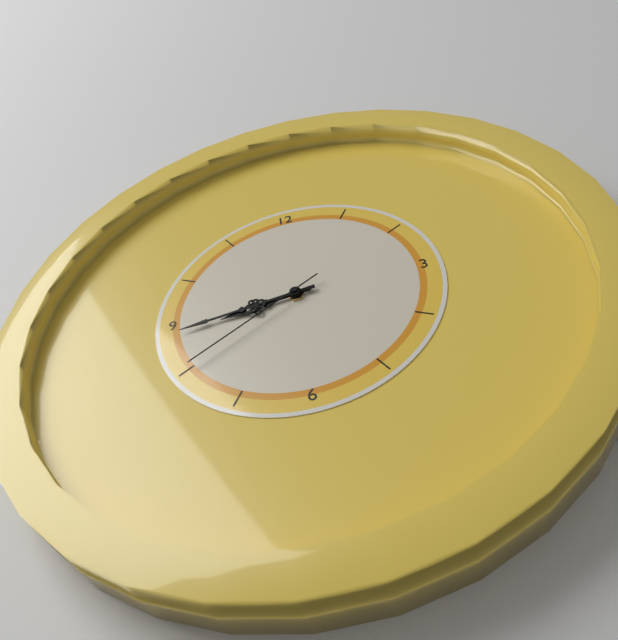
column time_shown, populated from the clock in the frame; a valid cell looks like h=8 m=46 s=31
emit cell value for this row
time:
h=8 m=44 s=40
